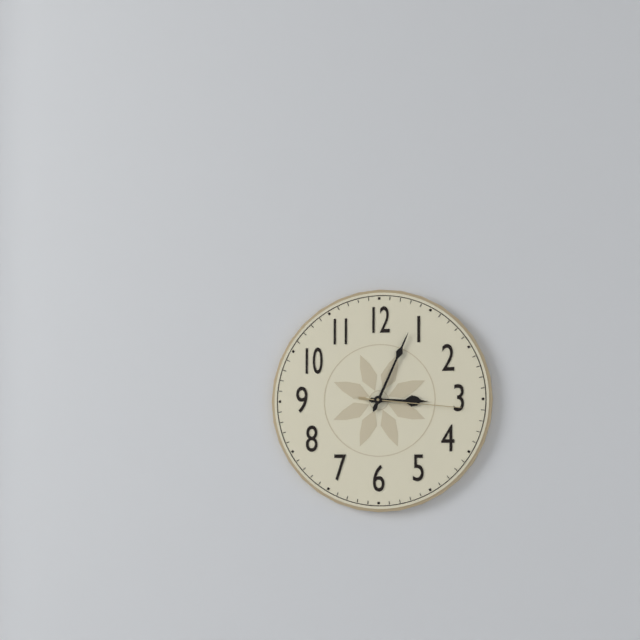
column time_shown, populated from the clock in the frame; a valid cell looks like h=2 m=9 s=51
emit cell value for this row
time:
h=3 m=4 s=16
